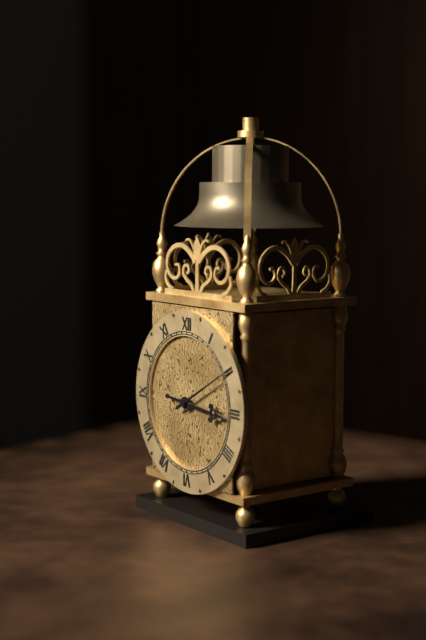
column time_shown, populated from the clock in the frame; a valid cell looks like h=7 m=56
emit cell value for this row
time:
h=3 m=10
